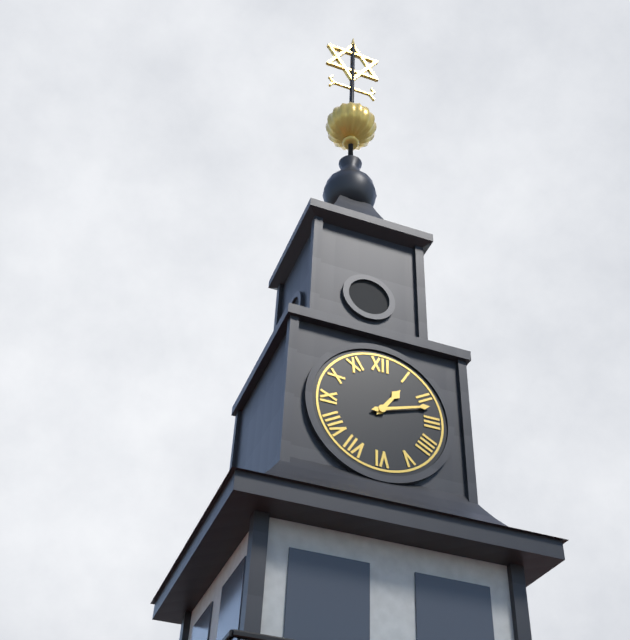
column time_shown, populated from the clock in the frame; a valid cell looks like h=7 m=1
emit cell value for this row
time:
h=1 m=12
